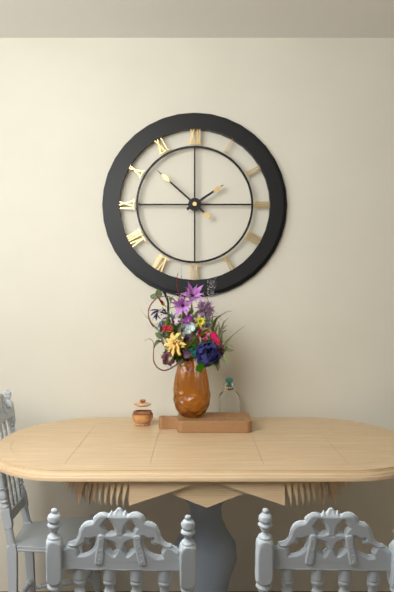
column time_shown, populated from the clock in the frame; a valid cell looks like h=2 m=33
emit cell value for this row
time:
h=1 m=52
